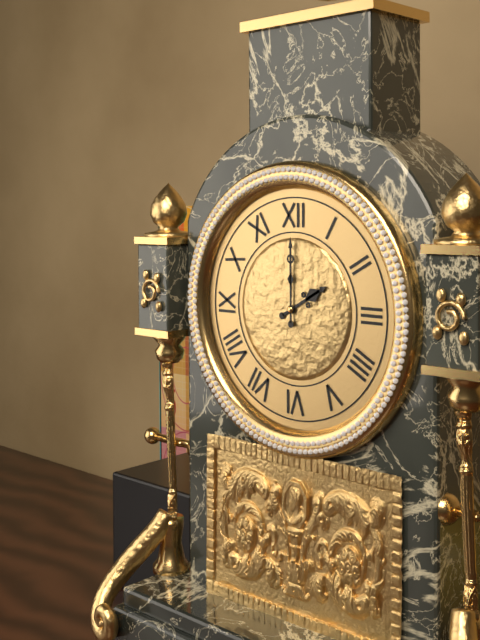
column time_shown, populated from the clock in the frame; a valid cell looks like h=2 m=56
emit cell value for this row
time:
h=2 m=0
